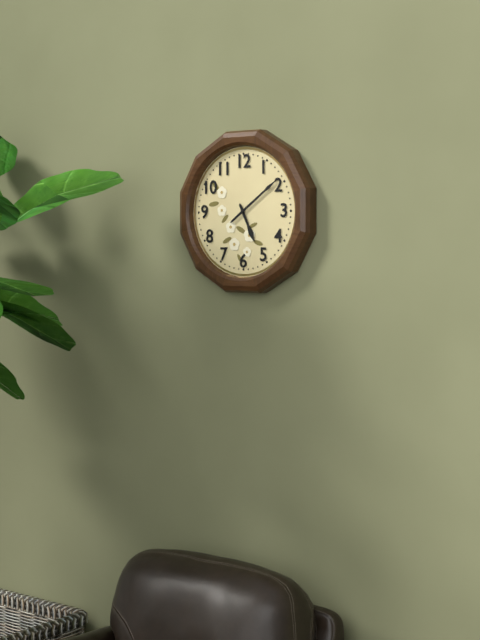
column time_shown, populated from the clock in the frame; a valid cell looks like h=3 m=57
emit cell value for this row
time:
h=5 m=9
